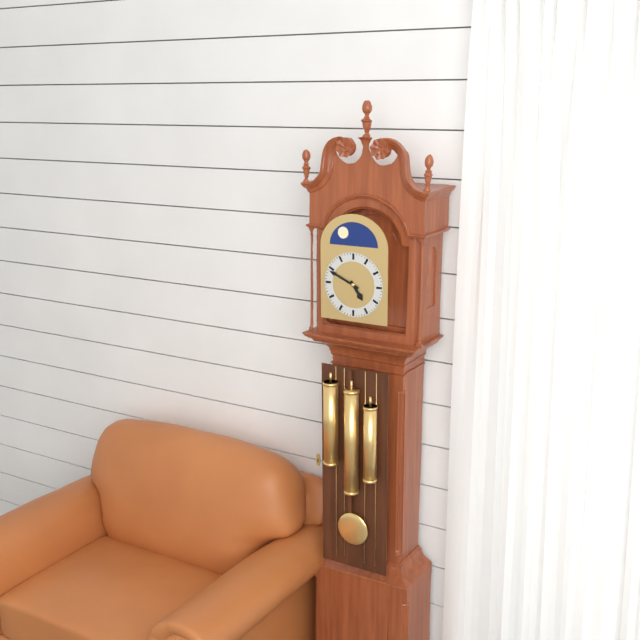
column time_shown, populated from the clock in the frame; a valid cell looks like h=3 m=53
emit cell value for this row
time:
h=4 m=49
